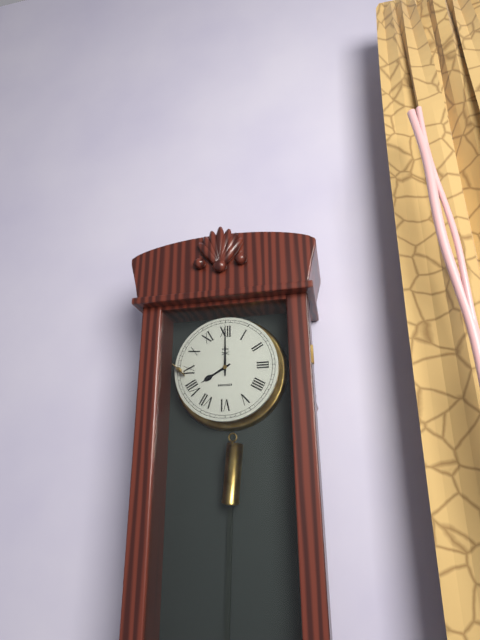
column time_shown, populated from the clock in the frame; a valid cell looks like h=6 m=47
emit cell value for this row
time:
h=8 m=0
